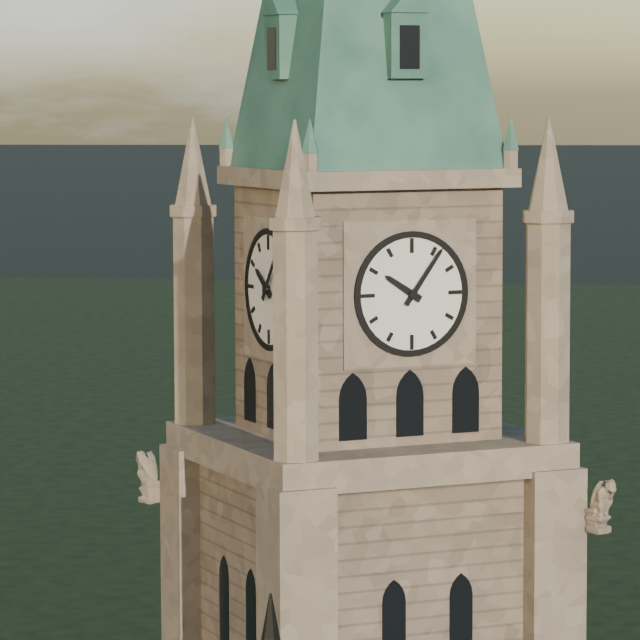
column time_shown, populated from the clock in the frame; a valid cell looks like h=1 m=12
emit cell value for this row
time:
h=10 m=6
